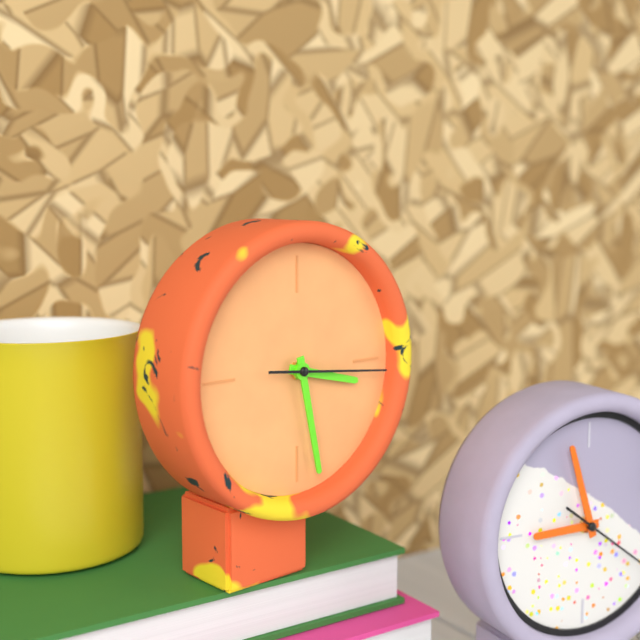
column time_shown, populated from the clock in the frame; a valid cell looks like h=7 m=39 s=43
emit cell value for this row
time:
h=3 m=28 s=16
